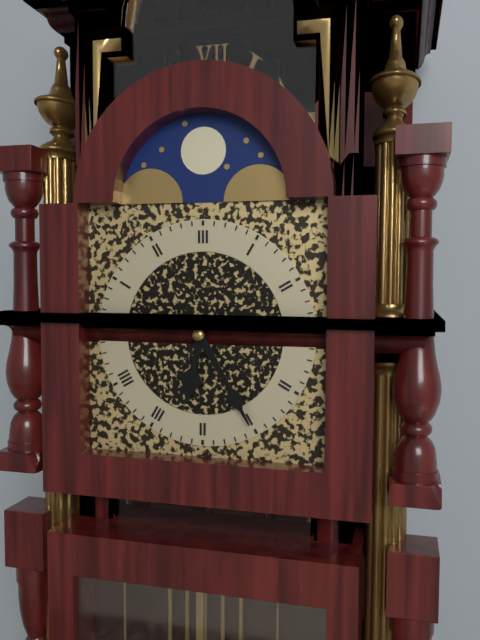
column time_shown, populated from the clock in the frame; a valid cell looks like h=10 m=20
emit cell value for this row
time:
h=6 m=25
